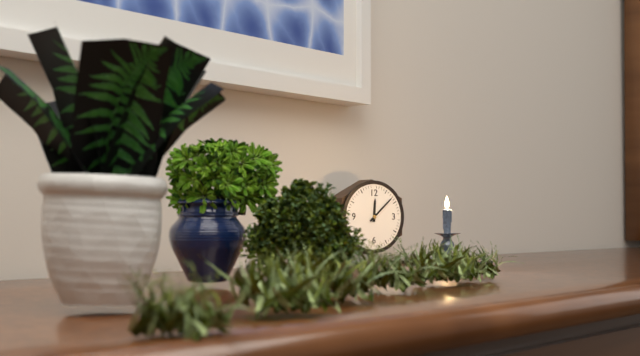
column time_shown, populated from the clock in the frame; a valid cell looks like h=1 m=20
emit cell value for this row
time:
h=12 m=8
